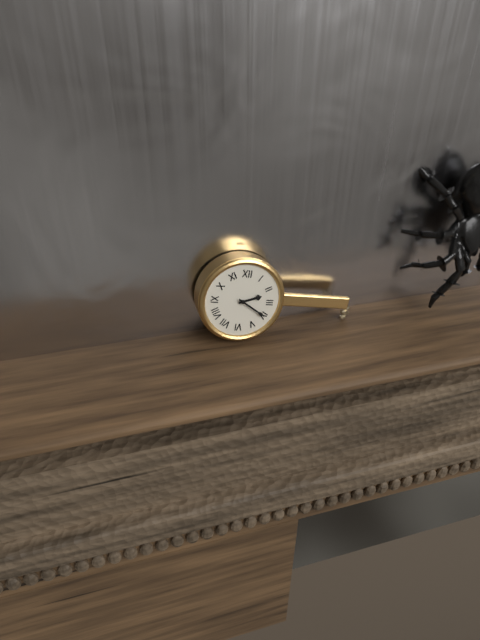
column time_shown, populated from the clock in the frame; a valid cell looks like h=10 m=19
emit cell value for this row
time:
h=2 m=20
